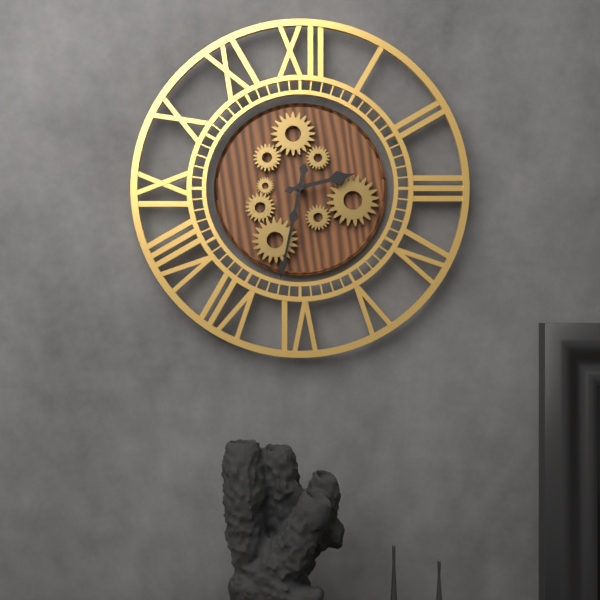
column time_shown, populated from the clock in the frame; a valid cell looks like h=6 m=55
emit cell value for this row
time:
h=2 m=32
